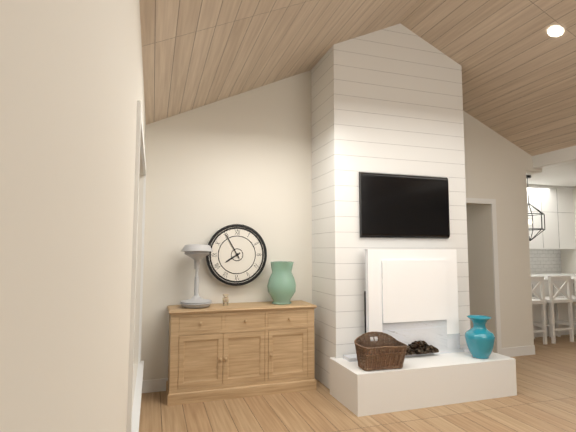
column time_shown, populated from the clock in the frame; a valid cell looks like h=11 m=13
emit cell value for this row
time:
h=7 m=55
